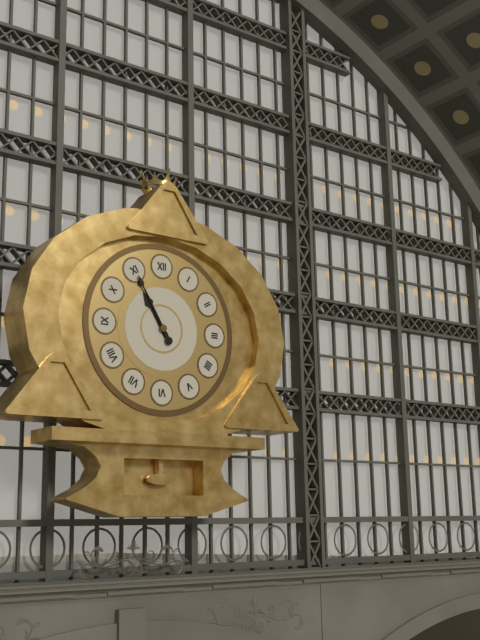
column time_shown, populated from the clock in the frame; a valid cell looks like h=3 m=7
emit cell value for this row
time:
h=10 m=55
